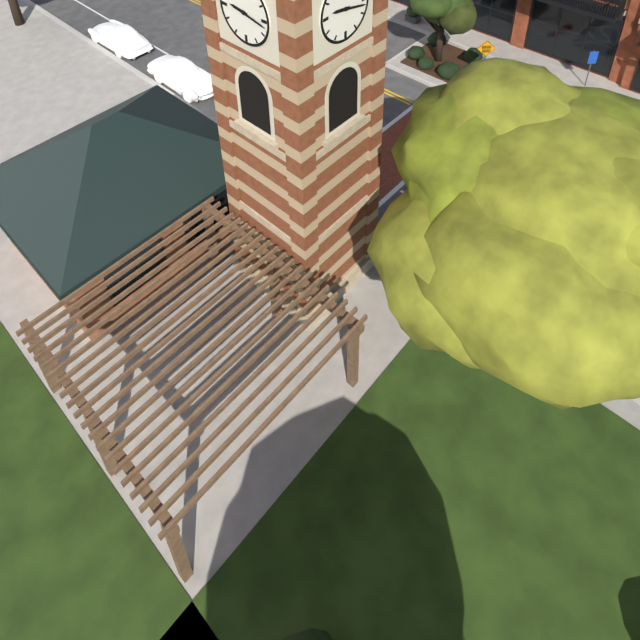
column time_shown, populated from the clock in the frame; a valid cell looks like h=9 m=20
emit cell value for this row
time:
h=9 m=17
